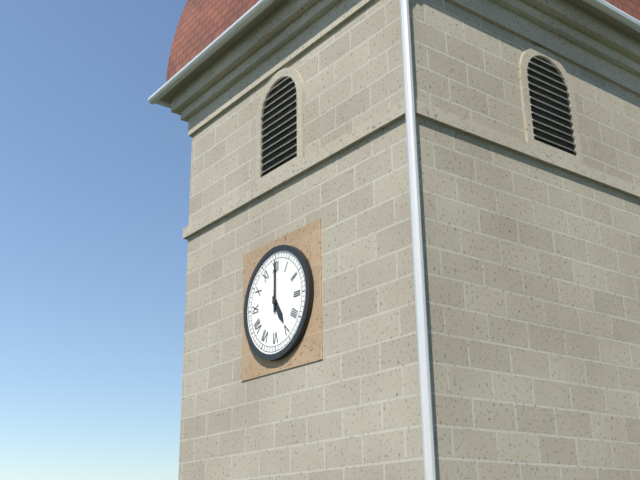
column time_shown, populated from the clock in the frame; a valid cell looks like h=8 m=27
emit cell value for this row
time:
h=5 m=0
